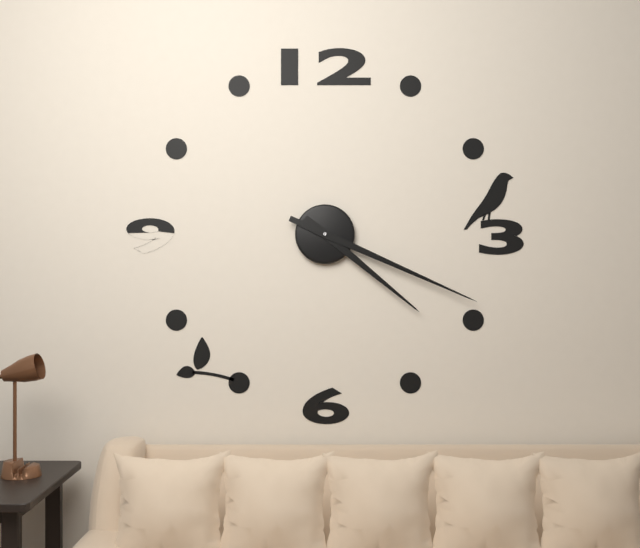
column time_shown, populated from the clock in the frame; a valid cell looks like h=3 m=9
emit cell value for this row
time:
h=4 m=19
